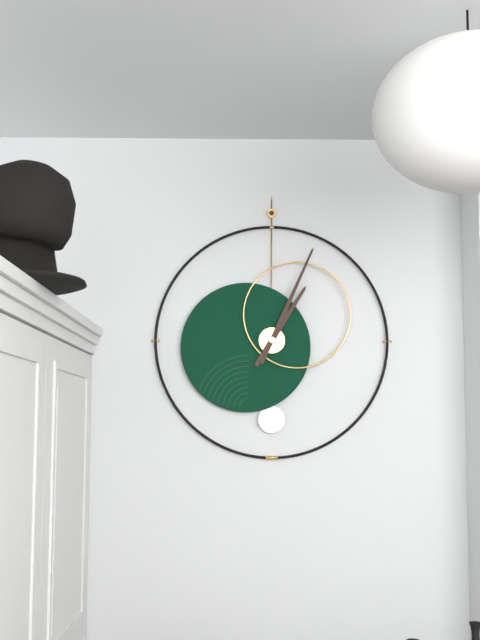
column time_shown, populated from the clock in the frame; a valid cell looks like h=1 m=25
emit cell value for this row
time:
h=1 m=4
